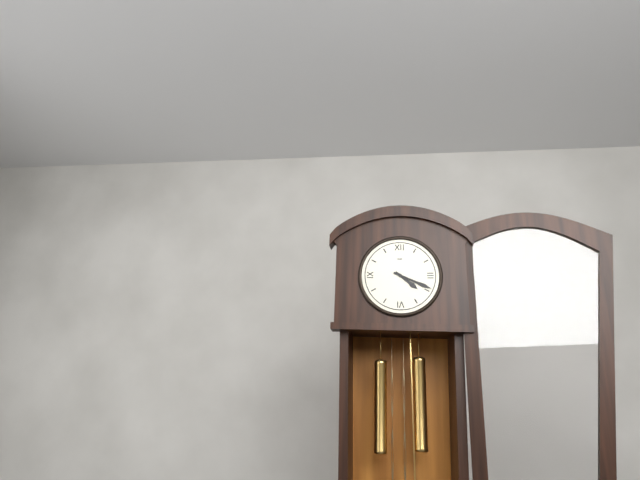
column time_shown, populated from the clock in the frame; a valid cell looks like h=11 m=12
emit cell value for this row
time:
h=4 m=19
